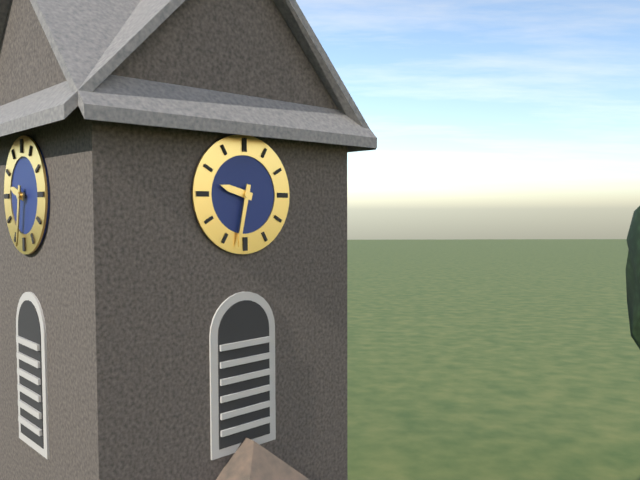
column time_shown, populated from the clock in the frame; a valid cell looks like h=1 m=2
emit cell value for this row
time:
h=9 m=32
